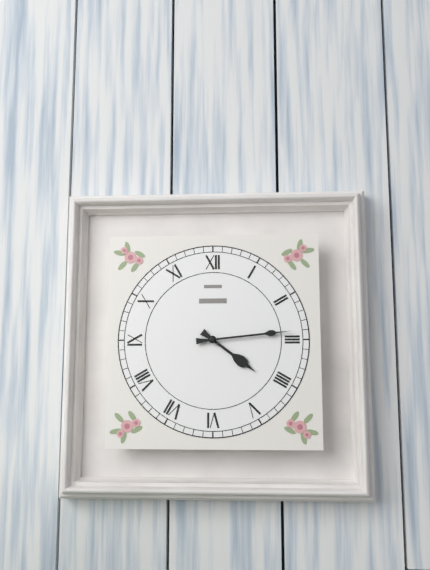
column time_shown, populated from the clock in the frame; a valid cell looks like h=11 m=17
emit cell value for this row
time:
h=4 m=14
